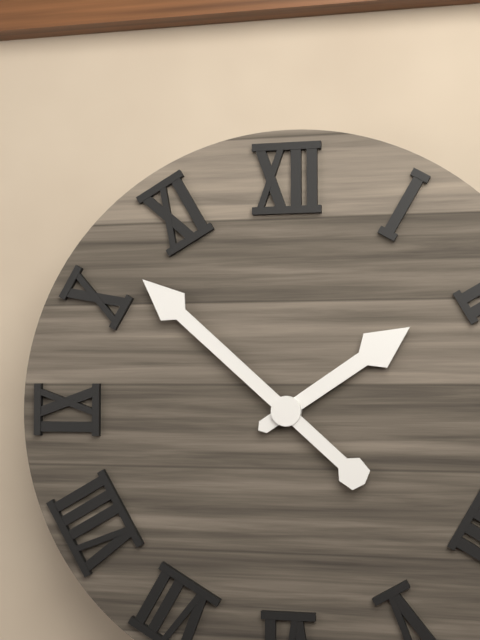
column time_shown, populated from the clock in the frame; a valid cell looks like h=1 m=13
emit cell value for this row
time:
h=1 m=52
